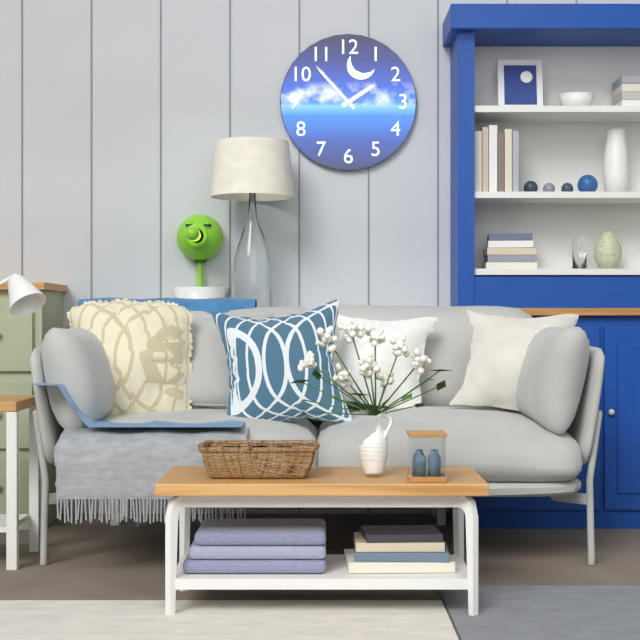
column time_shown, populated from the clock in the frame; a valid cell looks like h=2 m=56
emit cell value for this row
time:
h=1 m=53
